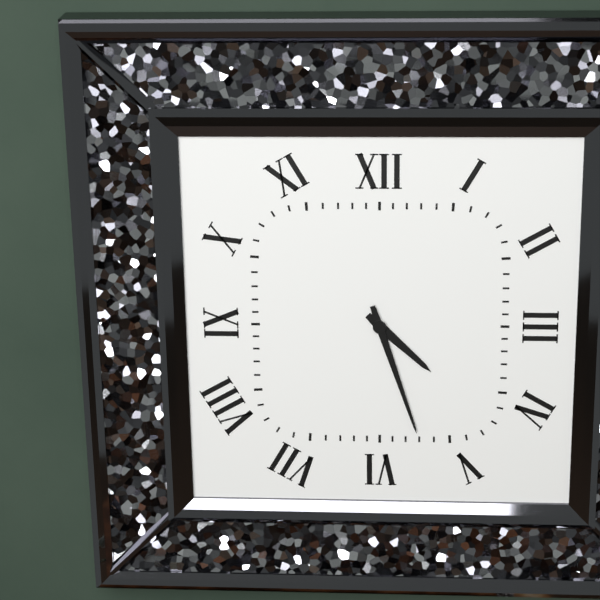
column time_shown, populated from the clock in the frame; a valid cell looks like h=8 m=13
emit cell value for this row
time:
h=4 m=27
